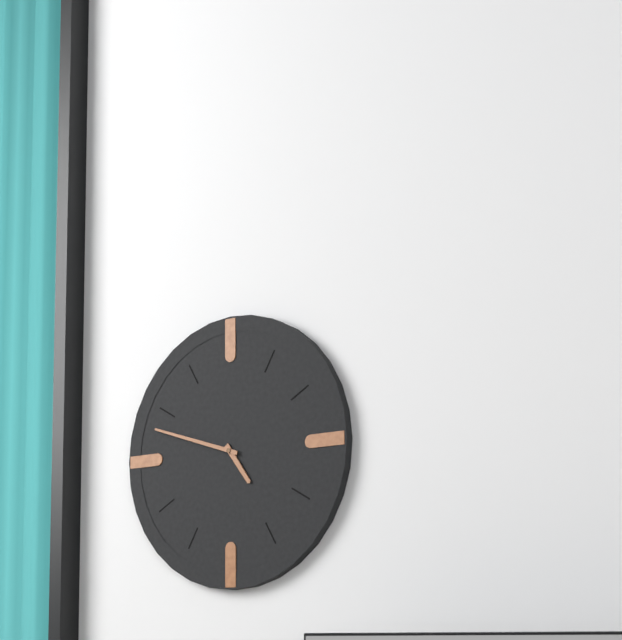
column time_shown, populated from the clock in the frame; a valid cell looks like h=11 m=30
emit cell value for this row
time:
h=4 m=48
